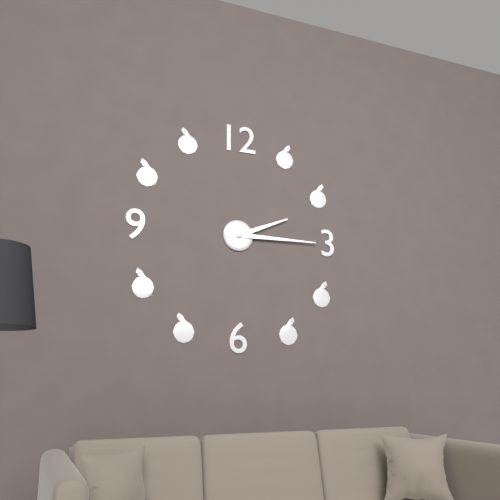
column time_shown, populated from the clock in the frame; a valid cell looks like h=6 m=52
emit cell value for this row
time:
h=2 m=15
